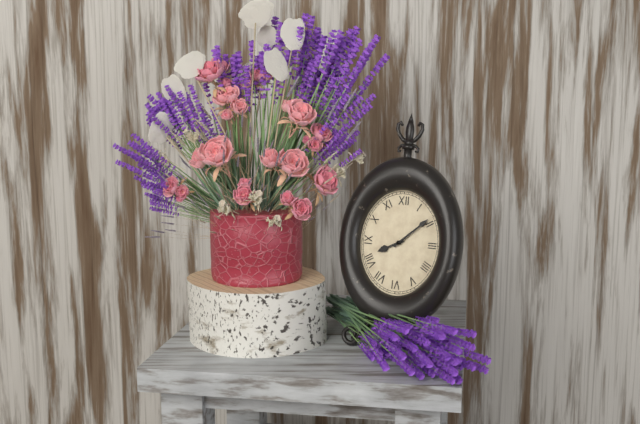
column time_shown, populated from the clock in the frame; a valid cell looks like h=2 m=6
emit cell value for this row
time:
h=8 m=8
